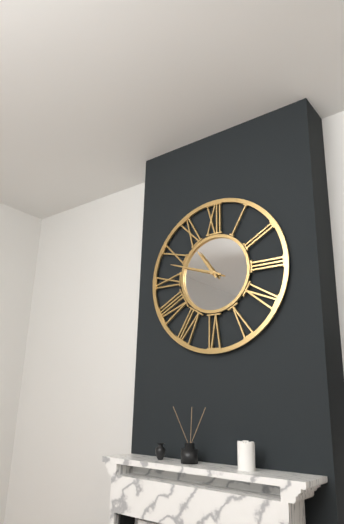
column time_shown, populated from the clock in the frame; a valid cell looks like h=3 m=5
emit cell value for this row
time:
h=10 m=48
